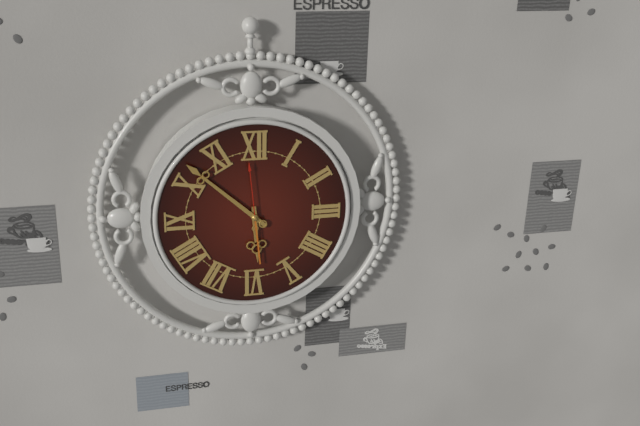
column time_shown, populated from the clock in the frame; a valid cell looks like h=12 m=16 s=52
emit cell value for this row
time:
h=5 m=52 s=59
